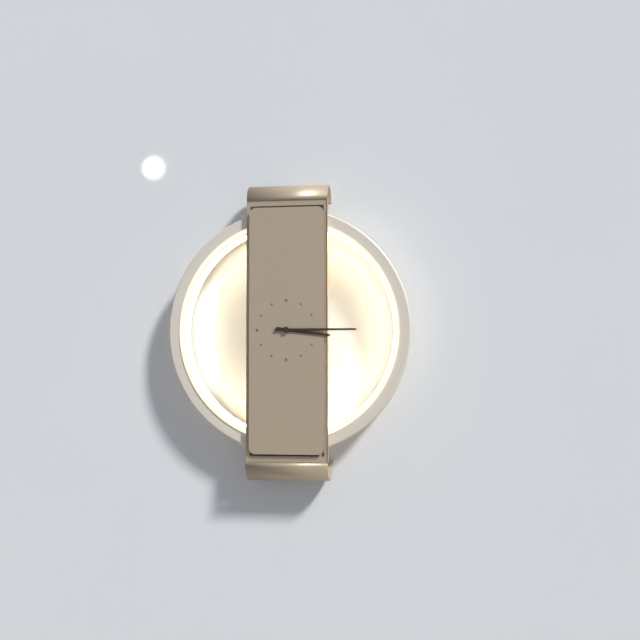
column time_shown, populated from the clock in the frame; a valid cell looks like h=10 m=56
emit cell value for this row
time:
h=3 m=15
